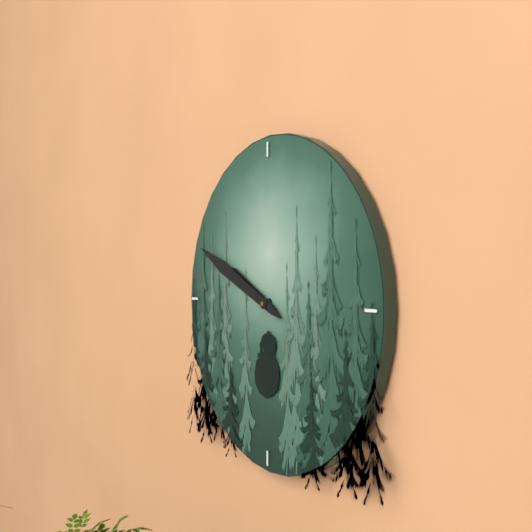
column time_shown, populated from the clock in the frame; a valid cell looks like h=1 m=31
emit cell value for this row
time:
h=9 m=49
